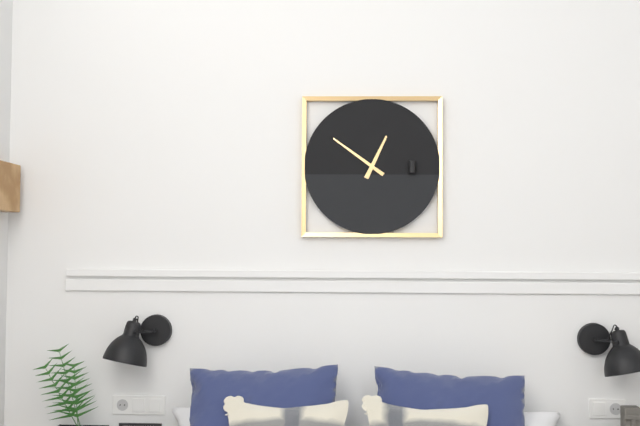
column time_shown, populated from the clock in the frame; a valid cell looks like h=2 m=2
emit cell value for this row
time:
h=12 m=51
